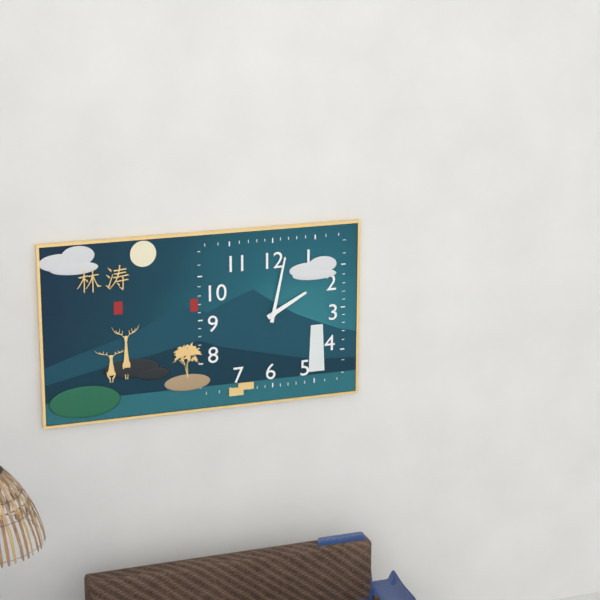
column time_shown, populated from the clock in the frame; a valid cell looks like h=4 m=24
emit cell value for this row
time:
h=2 m=2
